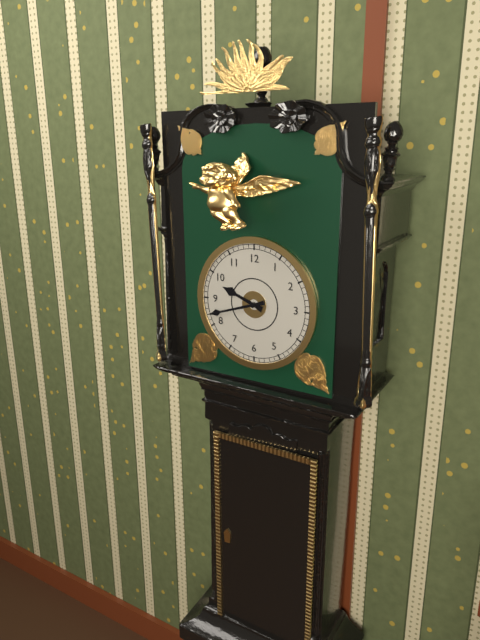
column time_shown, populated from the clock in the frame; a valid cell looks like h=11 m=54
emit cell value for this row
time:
h=9 m=42
